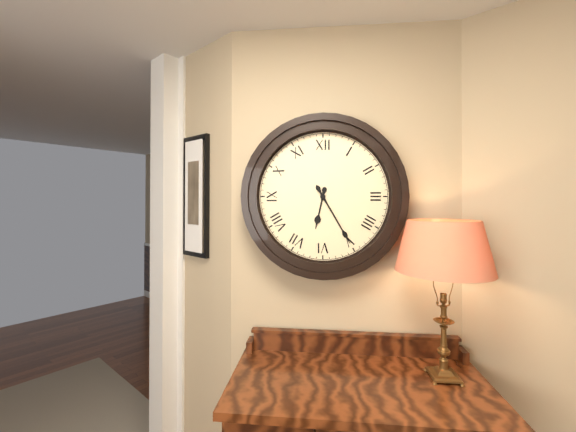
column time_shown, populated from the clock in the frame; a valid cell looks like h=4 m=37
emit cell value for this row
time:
h=6 m=25
